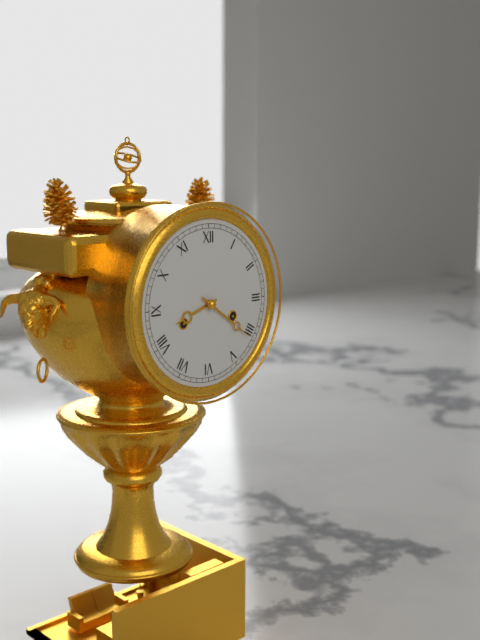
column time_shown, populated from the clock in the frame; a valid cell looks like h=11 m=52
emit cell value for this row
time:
h=8 m=21
